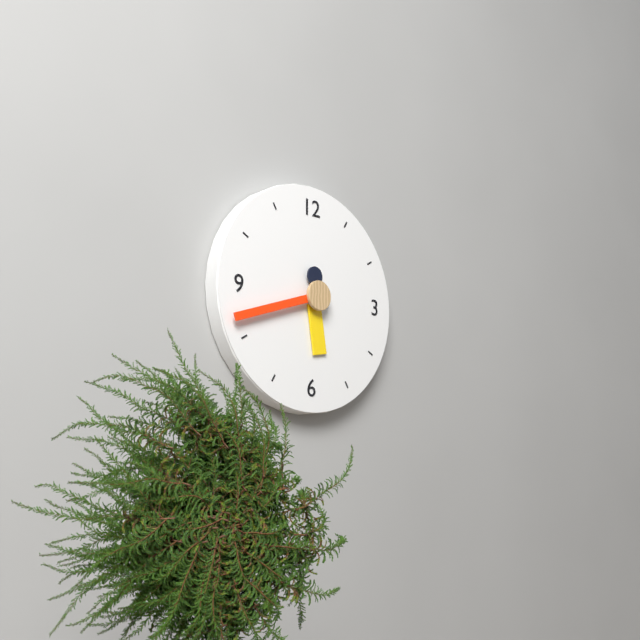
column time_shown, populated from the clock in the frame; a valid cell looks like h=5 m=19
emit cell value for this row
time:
h=5 m=42
